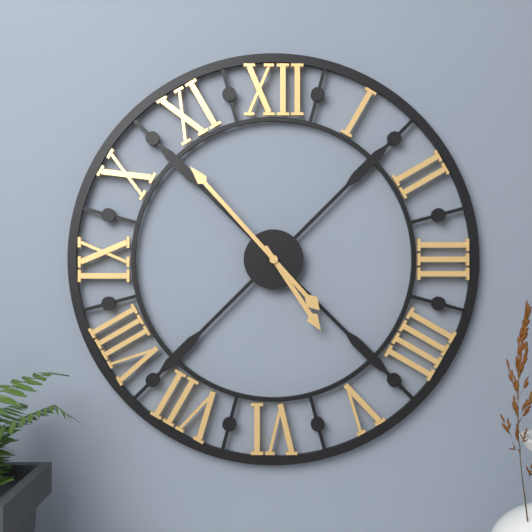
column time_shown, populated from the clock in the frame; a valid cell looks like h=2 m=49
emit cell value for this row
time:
h=4 m=53
